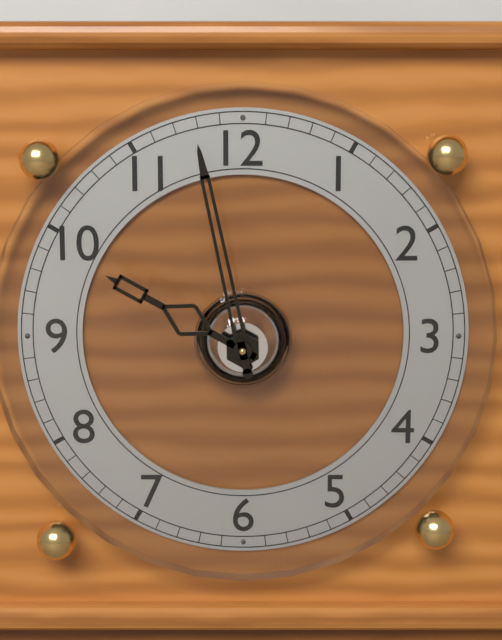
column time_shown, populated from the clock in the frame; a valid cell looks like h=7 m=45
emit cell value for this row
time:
h=9 m=58
